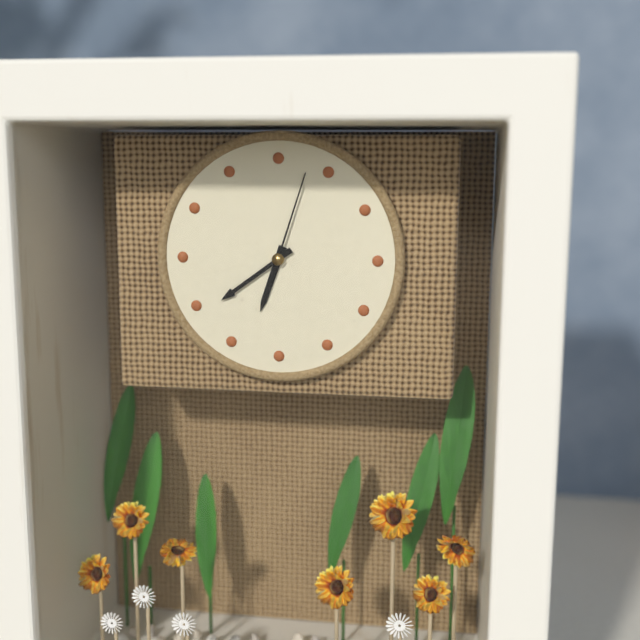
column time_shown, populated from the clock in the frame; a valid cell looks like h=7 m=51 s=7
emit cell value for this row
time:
h=6 m=39 s=3
